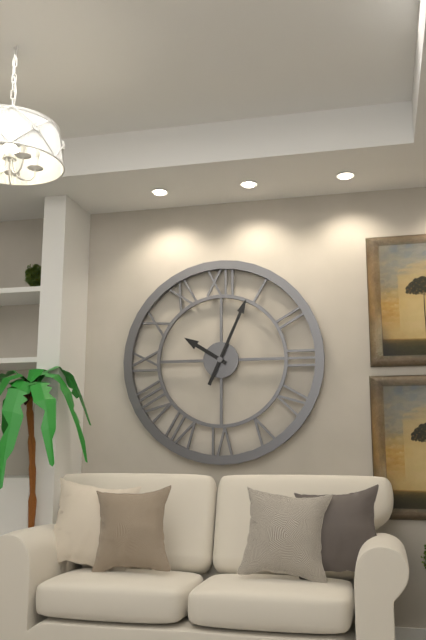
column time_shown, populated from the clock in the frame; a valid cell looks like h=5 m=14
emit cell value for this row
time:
h=10 m=4
